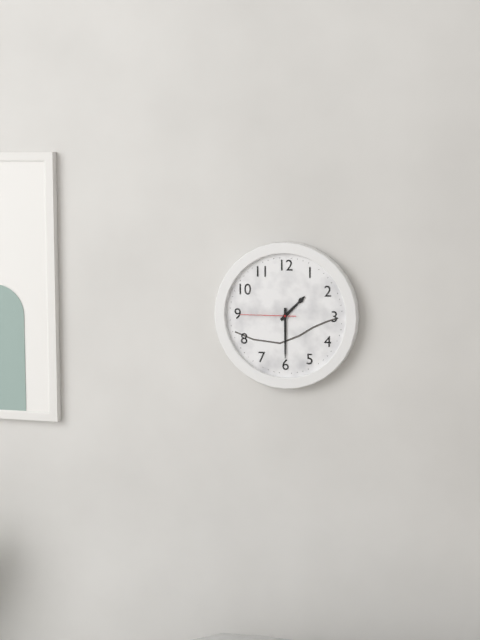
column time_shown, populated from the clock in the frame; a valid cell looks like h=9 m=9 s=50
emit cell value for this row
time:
h=1 m=30 s=45
